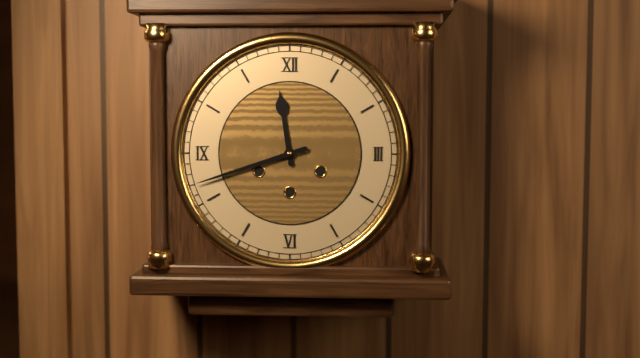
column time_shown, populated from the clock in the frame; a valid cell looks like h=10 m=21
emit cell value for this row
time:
h=11 m=42
